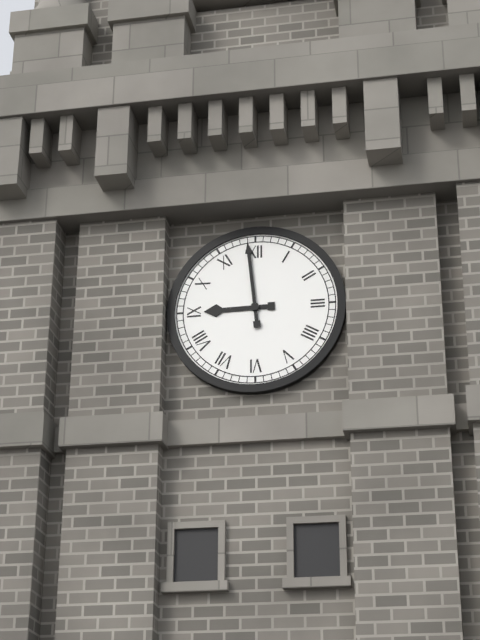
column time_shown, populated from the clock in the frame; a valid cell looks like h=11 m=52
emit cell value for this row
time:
h=8 m=59
